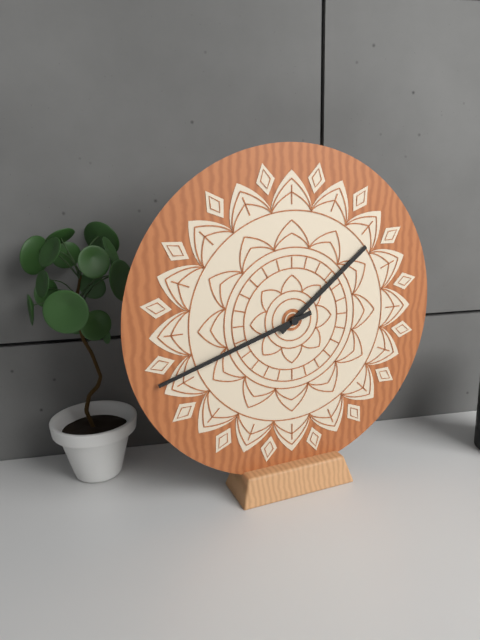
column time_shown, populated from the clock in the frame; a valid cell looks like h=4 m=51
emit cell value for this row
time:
h=1 m=42
